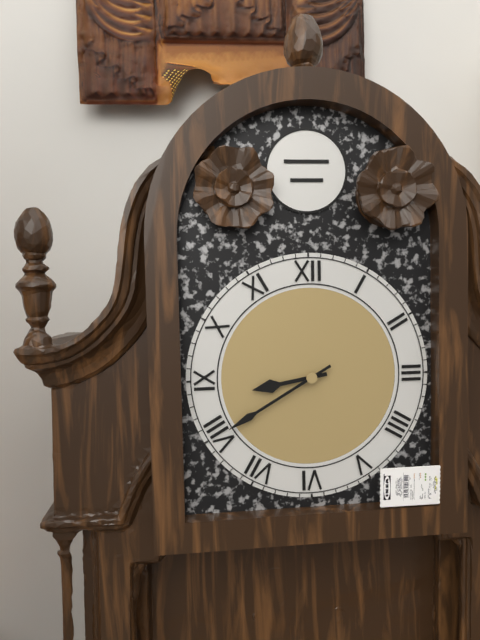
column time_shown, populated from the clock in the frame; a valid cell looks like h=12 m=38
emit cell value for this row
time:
h=8 m=40
